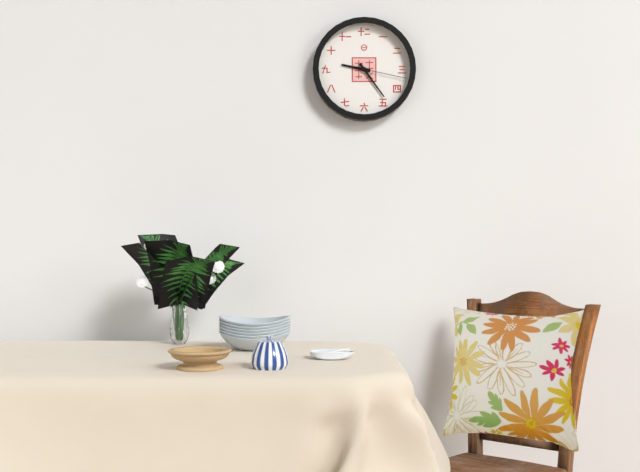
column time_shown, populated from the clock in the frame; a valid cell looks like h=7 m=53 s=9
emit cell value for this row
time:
h=9 m=24 s=17
